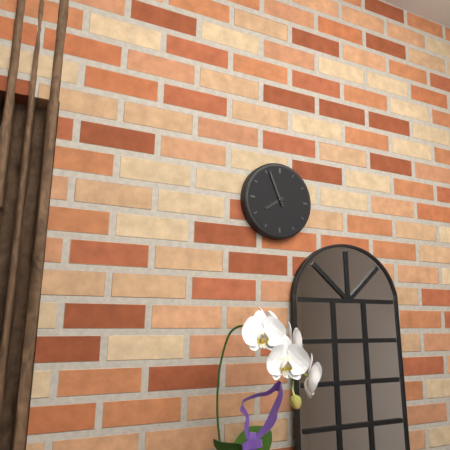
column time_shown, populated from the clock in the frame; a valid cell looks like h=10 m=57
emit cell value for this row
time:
h=7 m=56
